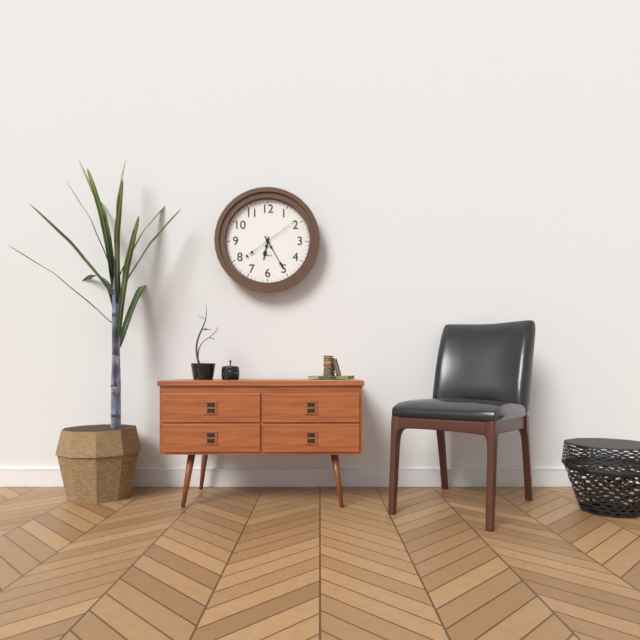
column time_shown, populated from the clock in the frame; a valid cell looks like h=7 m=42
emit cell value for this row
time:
h=6 m=25
